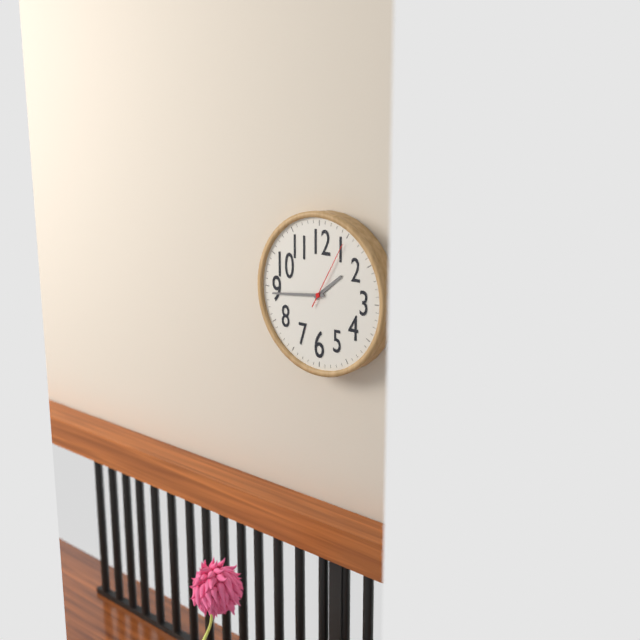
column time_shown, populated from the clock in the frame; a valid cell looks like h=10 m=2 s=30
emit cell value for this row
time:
h=1 m=44 s=5
